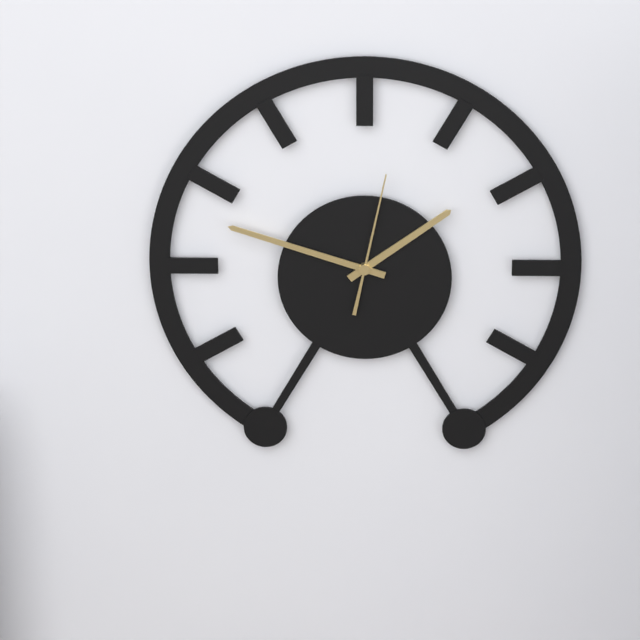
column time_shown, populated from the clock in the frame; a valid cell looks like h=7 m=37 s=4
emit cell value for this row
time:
h=1 m=48 s=2
